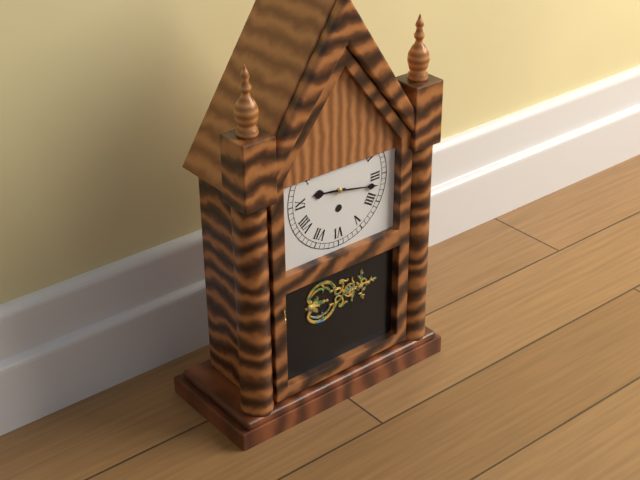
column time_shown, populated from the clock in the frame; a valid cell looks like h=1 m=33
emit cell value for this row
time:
h=9 m=17
